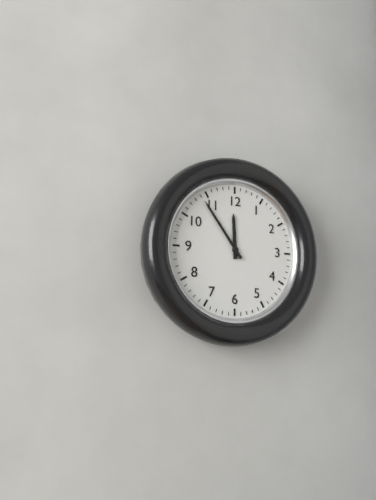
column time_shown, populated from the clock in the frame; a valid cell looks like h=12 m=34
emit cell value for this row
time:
h=11 m=54
